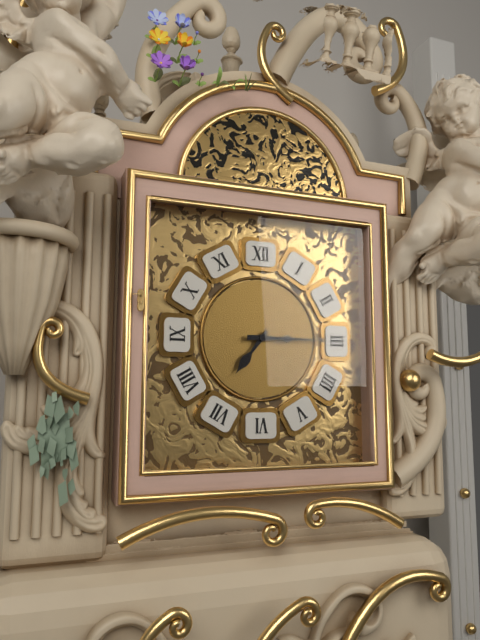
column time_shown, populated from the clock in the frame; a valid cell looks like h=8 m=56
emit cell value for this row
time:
h=7 m=15
